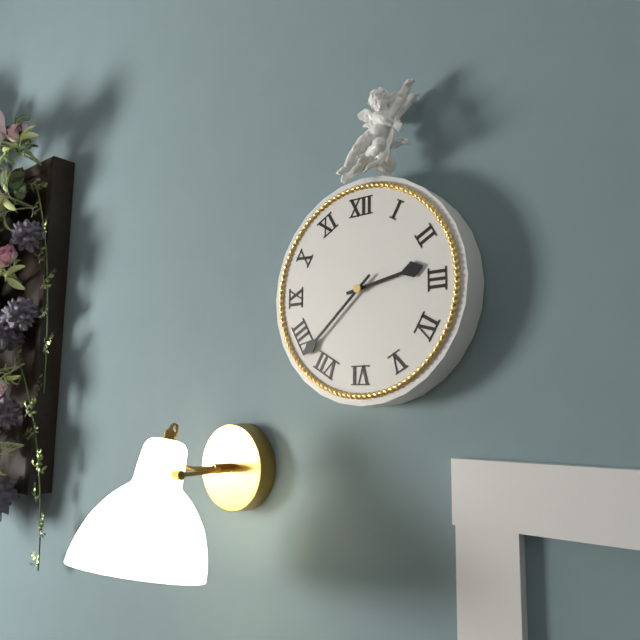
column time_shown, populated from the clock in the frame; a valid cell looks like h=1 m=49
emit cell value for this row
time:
h=2 m=38
